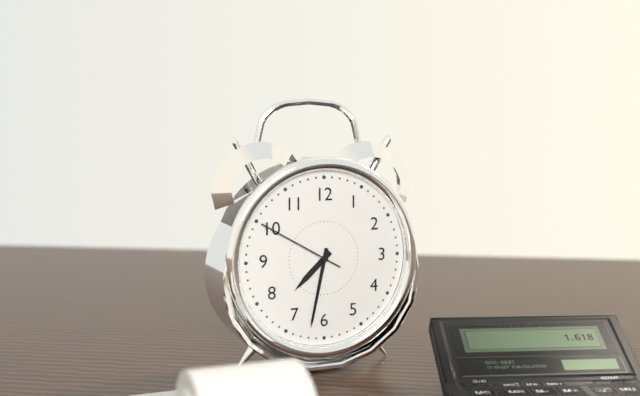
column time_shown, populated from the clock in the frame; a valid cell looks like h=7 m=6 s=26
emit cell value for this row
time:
h=7 m=32 s=50
